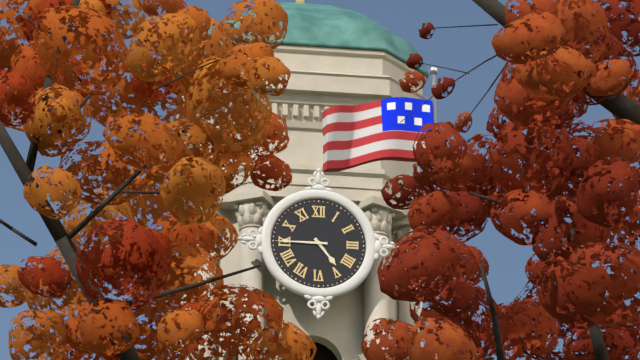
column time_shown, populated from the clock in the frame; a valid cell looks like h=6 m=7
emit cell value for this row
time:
h=4 m=45
